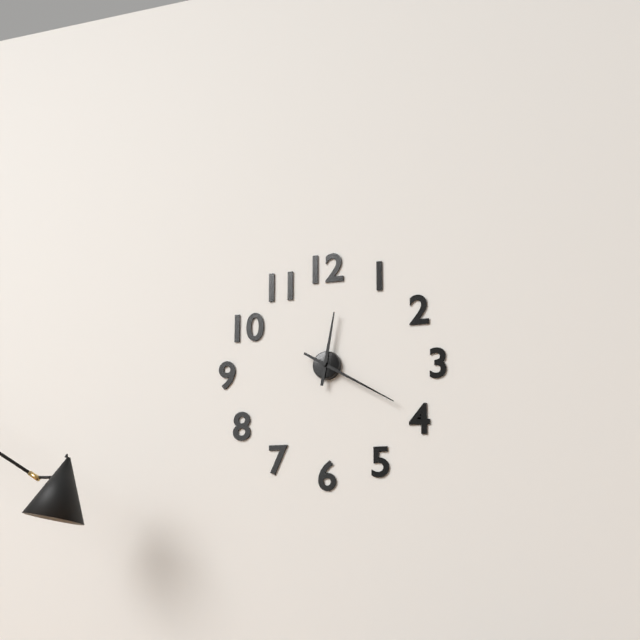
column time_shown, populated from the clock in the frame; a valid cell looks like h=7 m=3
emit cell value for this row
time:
h=12 m=20
